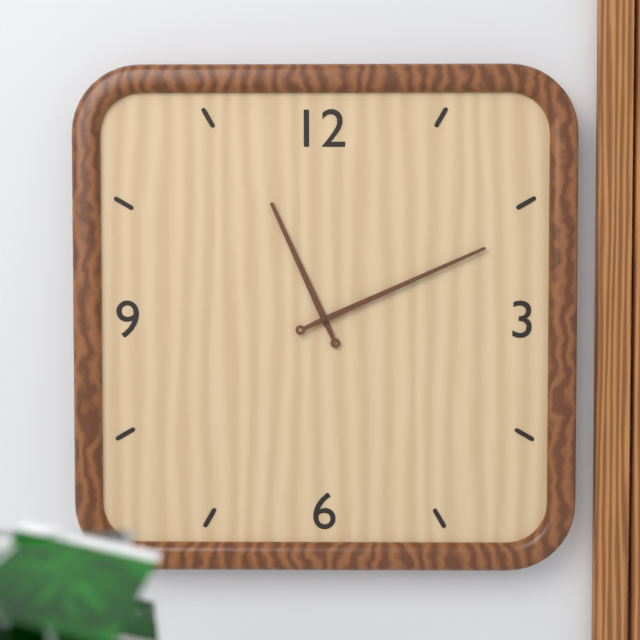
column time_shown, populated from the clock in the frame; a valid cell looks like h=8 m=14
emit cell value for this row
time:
h=11 m=11
